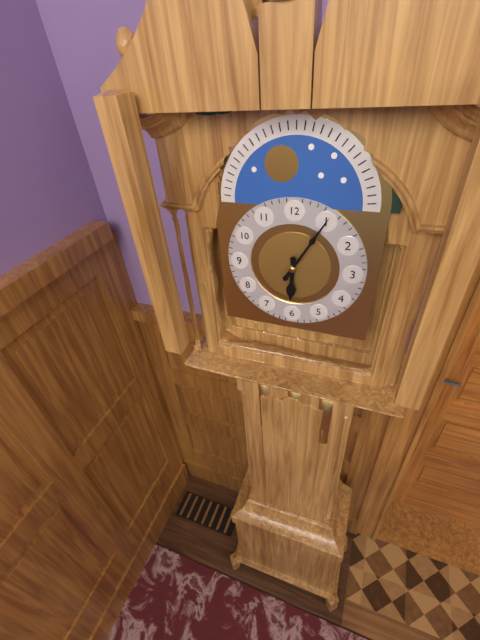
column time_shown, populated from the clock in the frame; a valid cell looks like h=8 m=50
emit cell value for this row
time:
h=6 m=5
